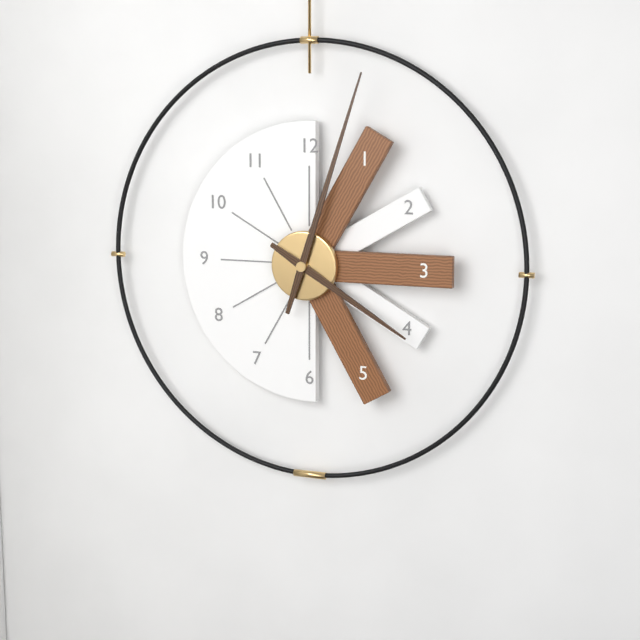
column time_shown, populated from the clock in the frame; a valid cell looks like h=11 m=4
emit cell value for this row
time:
h=4 m=3
